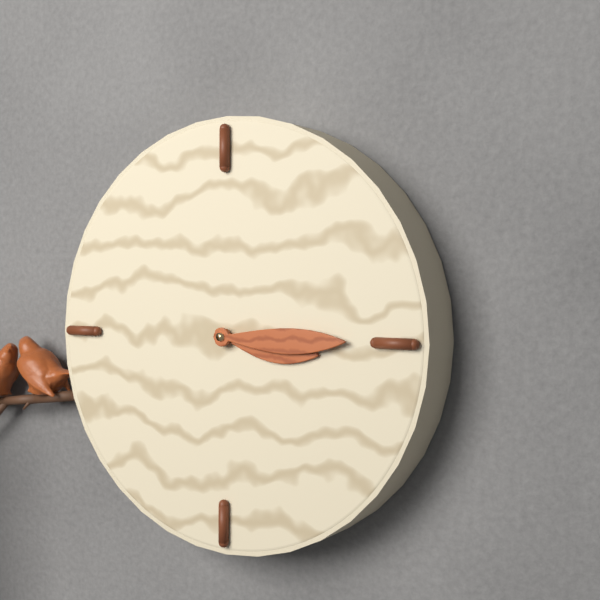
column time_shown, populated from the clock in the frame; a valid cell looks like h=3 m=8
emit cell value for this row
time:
h=3 m=15
